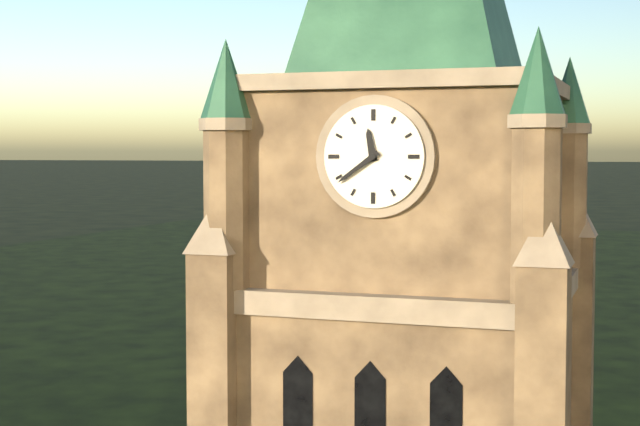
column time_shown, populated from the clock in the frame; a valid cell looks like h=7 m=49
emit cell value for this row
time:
h=11 m=39
